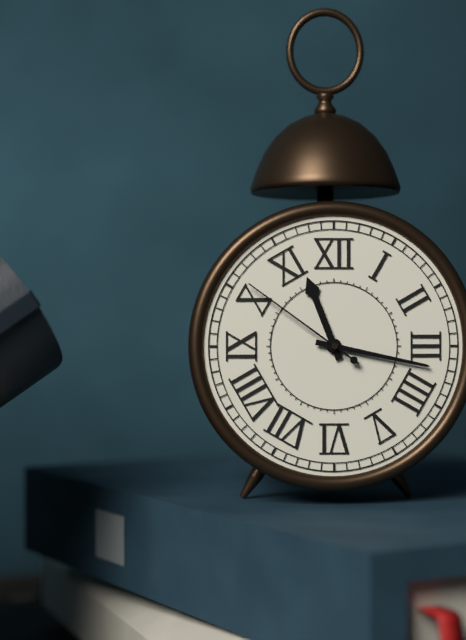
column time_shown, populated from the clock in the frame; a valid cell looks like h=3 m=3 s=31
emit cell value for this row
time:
h=11 m=17 s=51
